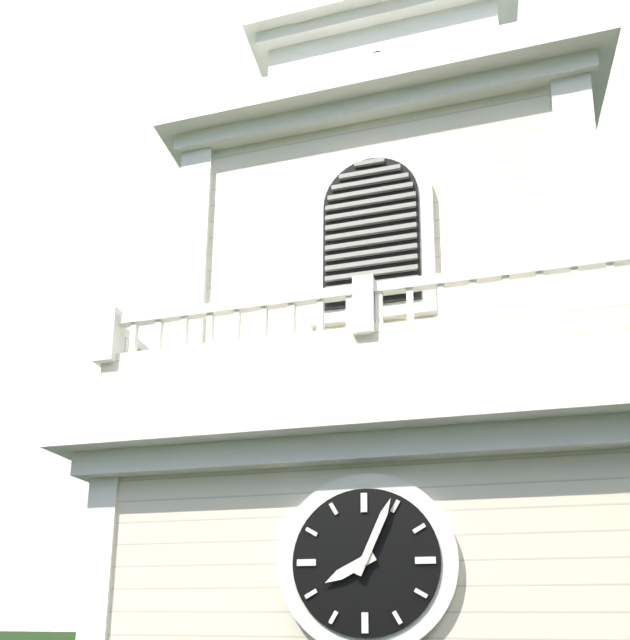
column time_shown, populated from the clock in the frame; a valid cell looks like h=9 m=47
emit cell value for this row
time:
h=8 m=4
